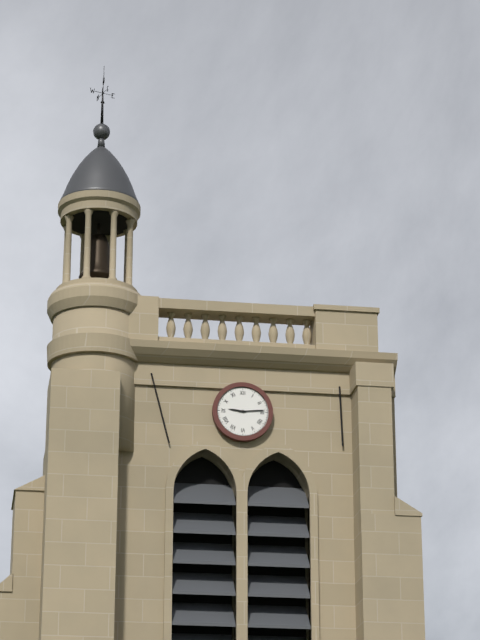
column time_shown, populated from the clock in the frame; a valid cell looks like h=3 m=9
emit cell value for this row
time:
h=9 m=14
